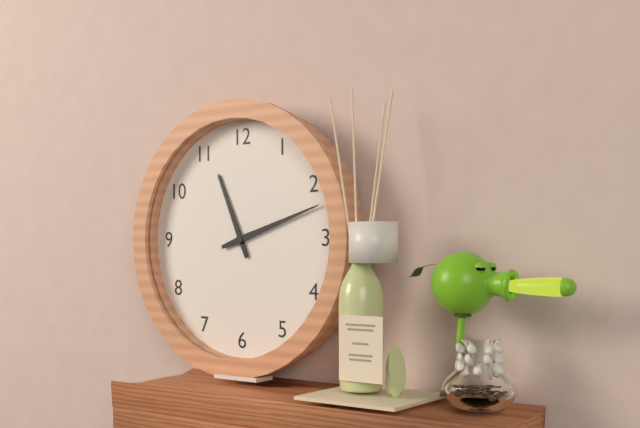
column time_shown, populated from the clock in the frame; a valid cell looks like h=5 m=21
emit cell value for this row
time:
h=11 m=12
